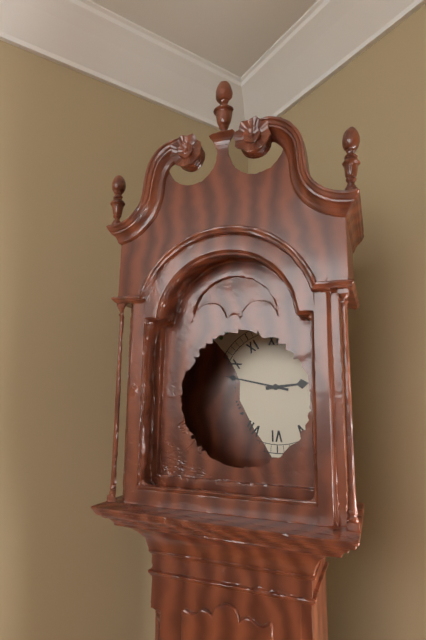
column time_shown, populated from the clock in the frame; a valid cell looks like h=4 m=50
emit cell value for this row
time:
h=2 m=47
